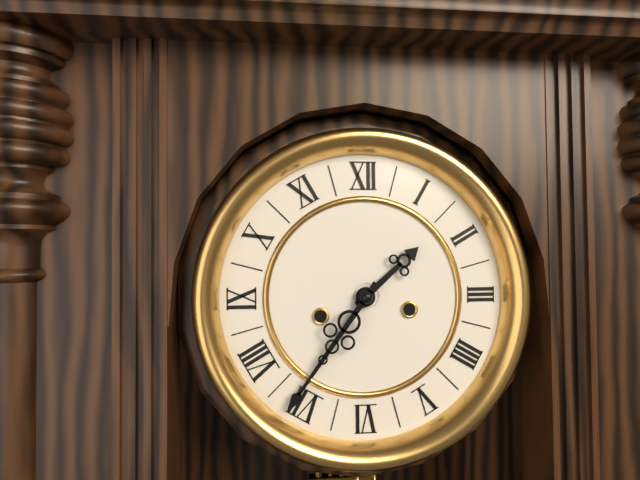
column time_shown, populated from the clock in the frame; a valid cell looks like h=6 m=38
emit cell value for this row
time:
h=1 m=36
